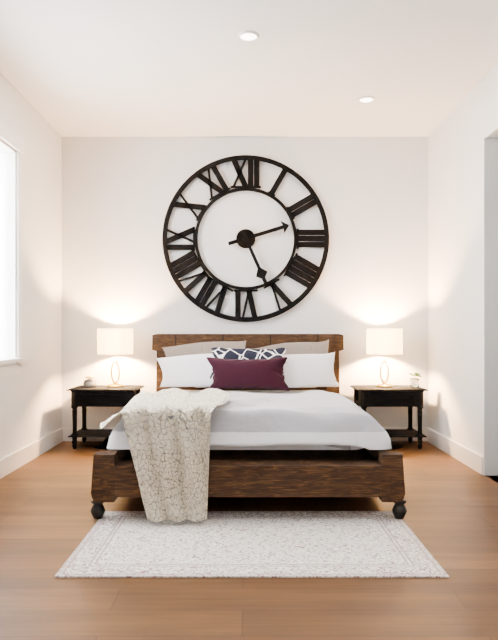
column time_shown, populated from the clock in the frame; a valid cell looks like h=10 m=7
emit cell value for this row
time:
h=2 m=26
